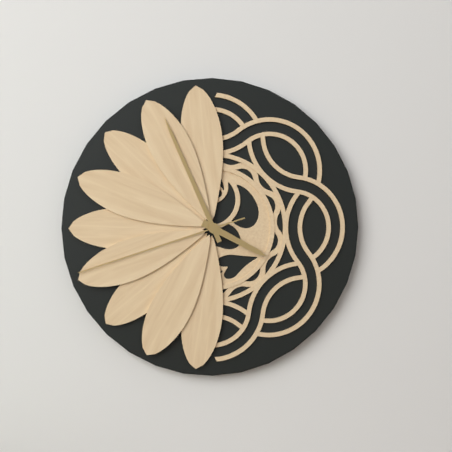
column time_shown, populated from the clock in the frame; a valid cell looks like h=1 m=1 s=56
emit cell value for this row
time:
h=3 m=56 s=42
